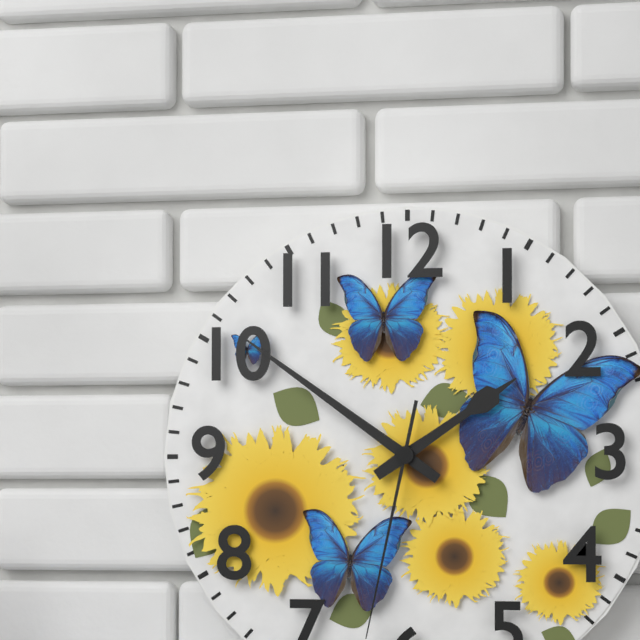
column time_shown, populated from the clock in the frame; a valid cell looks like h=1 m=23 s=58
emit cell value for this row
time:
h=1 m=51 s=32
